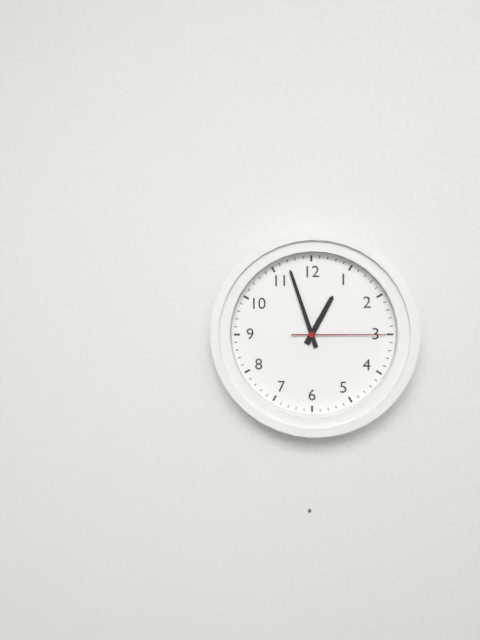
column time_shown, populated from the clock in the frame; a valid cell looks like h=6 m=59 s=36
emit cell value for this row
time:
h=12 m=57 s=15
